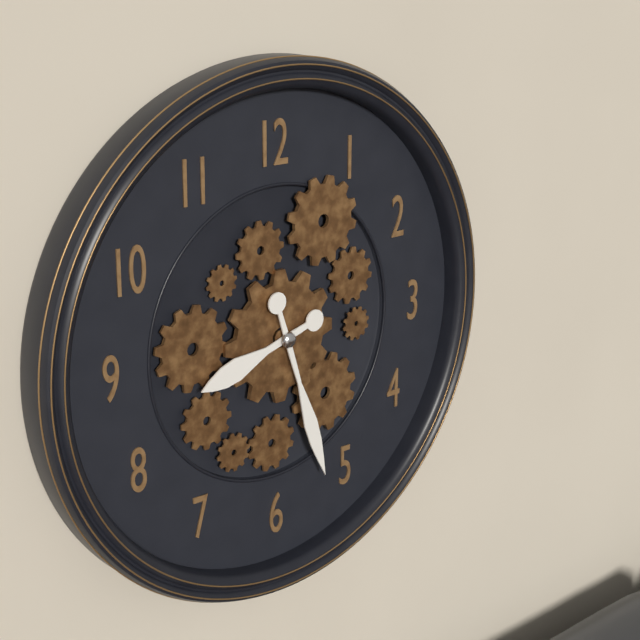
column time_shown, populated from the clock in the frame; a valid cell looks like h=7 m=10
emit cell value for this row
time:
h=8 m=27
